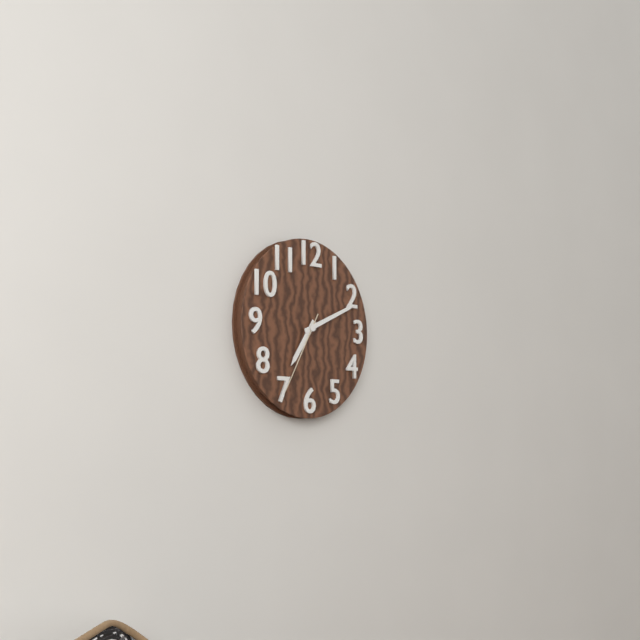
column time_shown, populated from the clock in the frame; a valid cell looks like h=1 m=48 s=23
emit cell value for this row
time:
h=7 m=11 s=35
